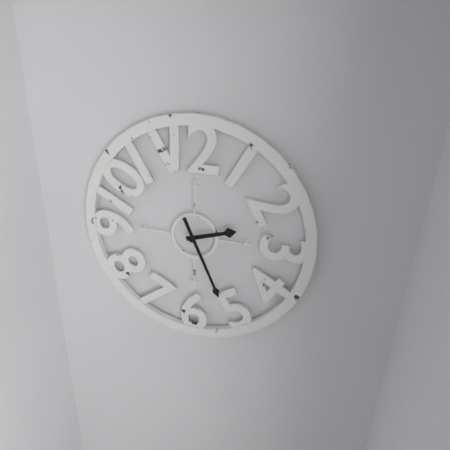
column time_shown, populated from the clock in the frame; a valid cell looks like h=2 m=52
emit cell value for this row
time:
h=2 m=26
